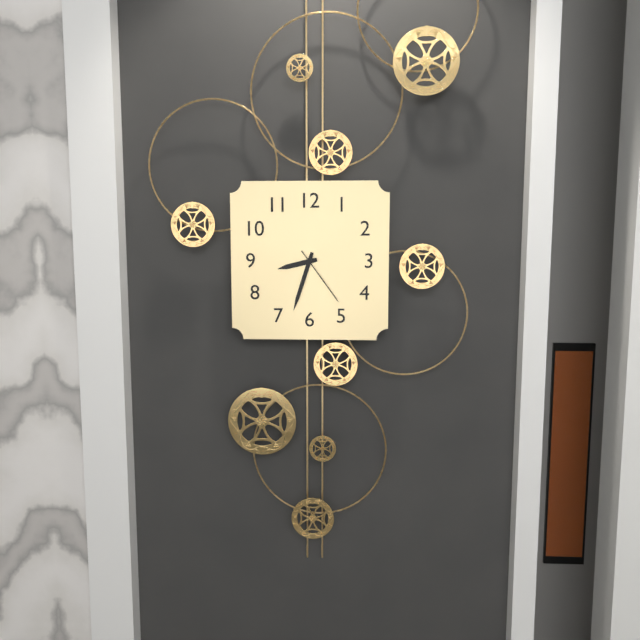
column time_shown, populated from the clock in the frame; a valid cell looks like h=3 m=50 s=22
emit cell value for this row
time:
h=8 m=33 s=24
